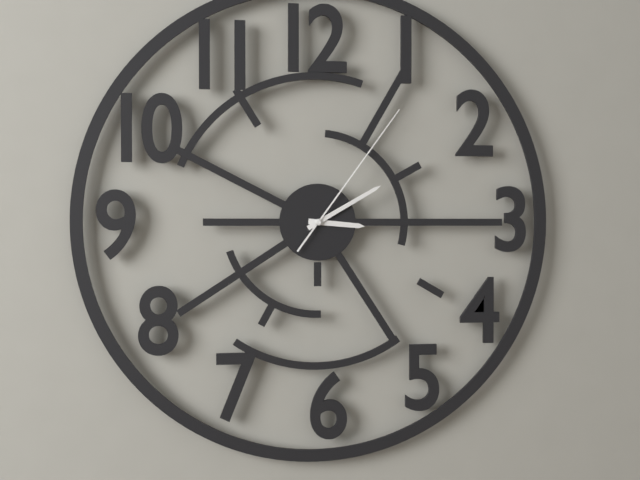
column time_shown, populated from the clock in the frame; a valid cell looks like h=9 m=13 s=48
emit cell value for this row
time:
h=3 m=10 s=6
